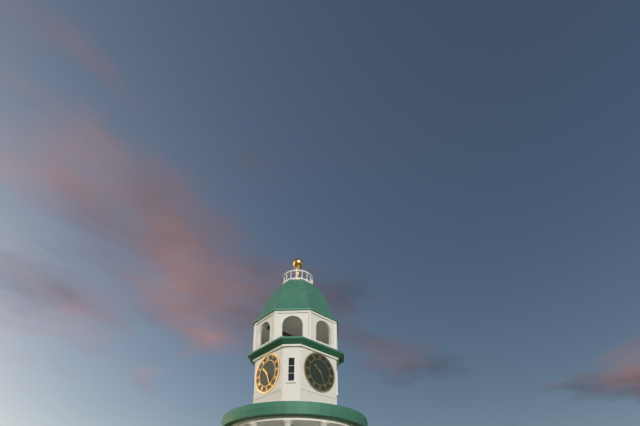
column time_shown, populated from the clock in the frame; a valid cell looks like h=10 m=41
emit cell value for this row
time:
h=10 m=26
